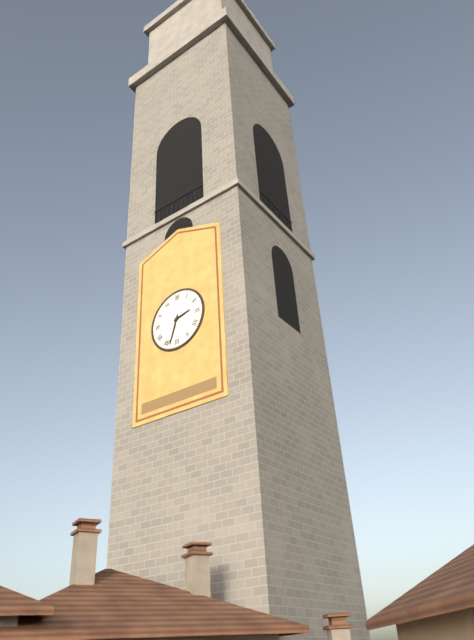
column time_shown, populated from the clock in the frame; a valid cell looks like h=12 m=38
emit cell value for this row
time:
h=2 m=33
